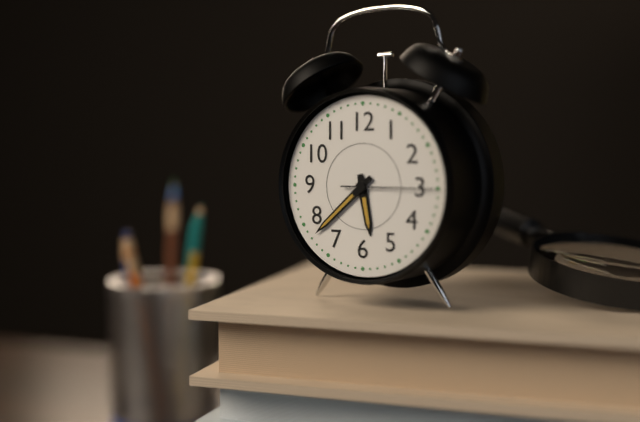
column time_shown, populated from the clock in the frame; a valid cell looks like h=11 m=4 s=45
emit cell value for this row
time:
h=5 m=38 s=15
